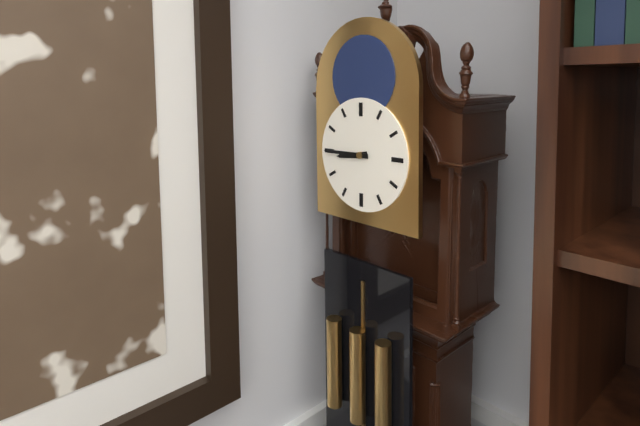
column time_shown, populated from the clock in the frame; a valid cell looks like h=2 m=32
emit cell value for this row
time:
h=8 m=45
